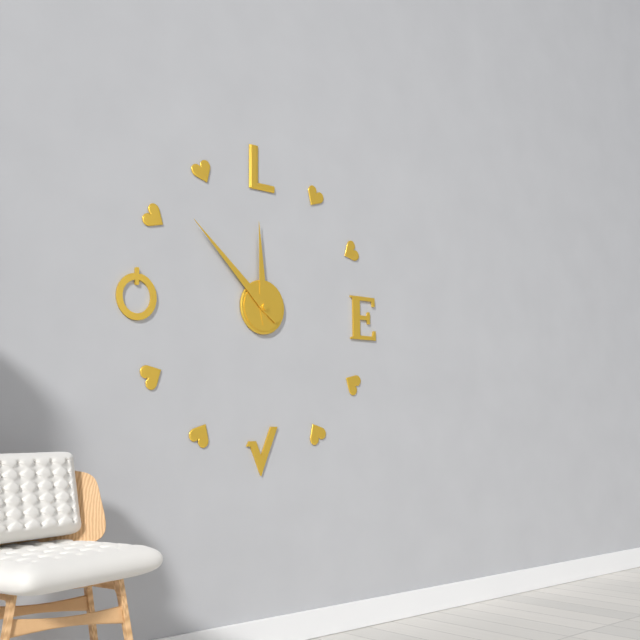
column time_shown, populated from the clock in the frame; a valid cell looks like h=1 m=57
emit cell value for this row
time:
h=11 m=52
